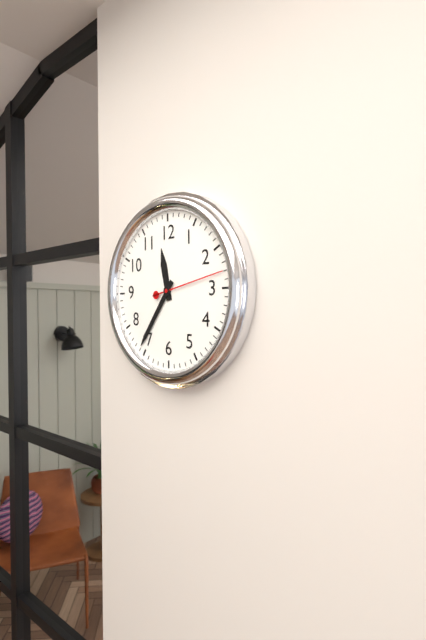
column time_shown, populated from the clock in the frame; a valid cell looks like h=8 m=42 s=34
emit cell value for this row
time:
h=11 m=36 s=13
